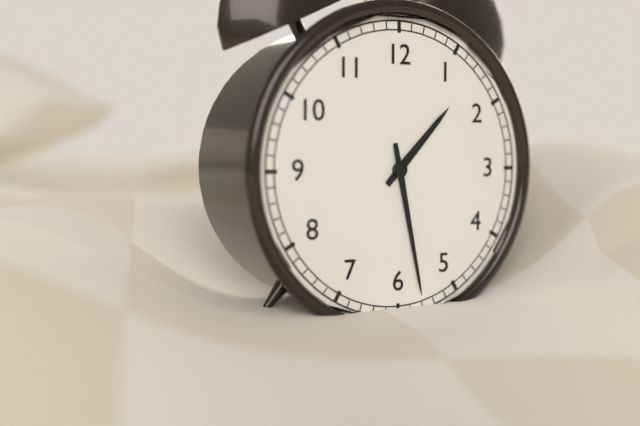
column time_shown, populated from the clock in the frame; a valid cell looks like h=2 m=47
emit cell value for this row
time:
h=1 m=28
